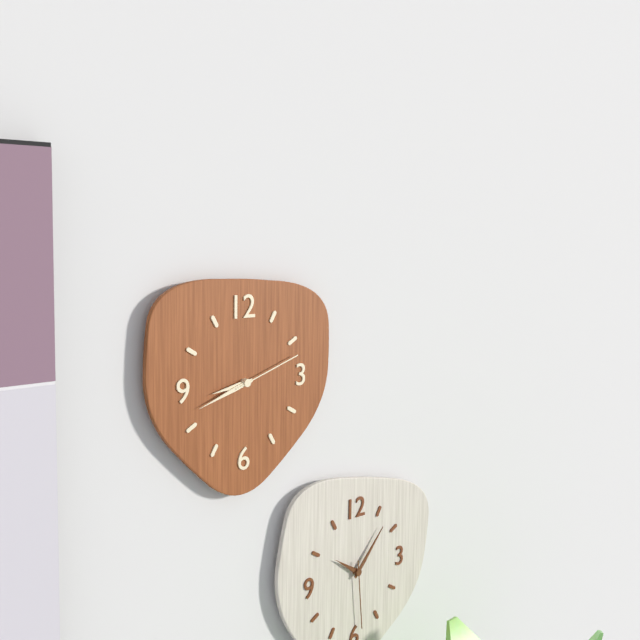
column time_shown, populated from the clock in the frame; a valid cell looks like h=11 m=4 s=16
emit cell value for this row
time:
h=8 m=42 s=12
